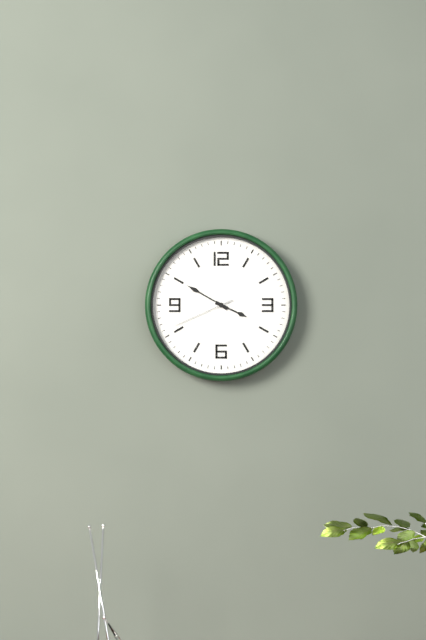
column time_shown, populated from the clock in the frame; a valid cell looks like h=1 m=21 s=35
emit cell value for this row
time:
h=3 m=50 s=41
